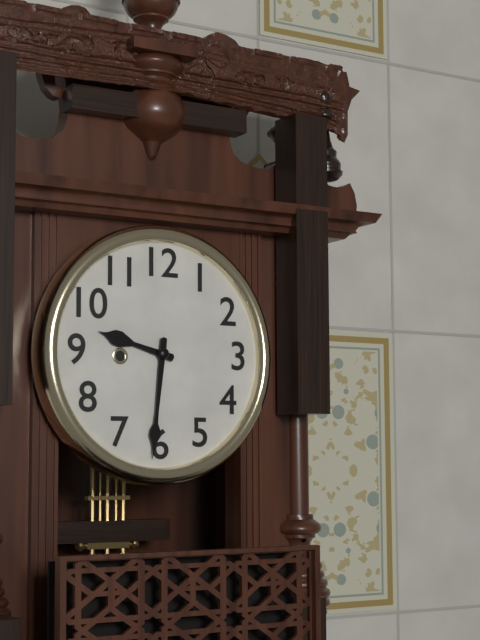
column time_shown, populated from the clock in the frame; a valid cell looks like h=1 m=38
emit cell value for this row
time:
h=9 m=31
